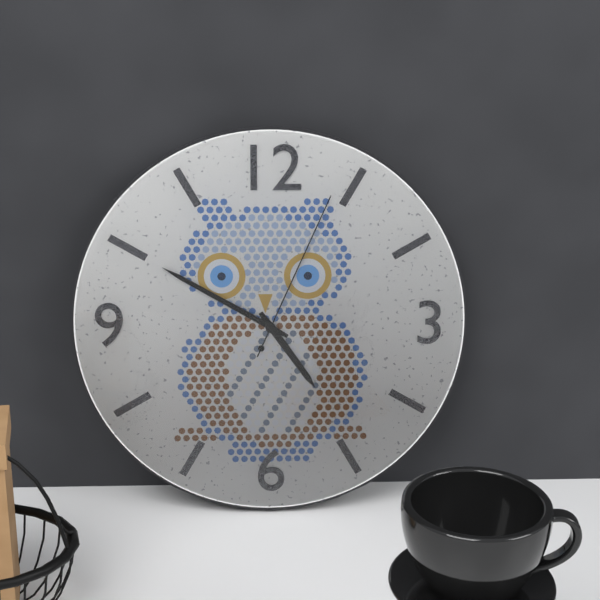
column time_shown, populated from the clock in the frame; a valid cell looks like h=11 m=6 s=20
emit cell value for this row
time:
h=4 m=50 s=4
